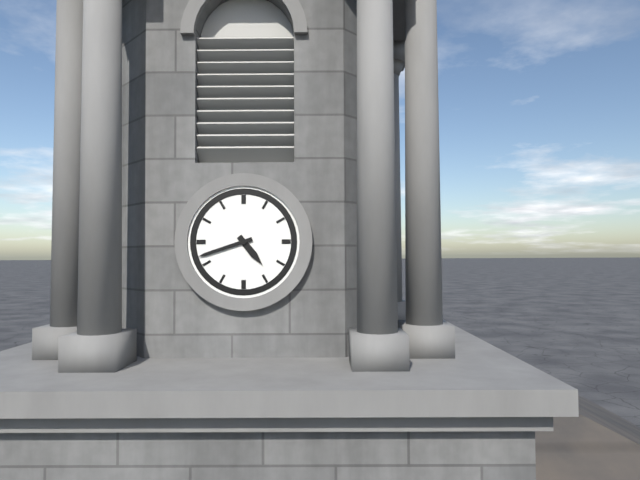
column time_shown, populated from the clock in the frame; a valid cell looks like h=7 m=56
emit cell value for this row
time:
h=4 m=42
